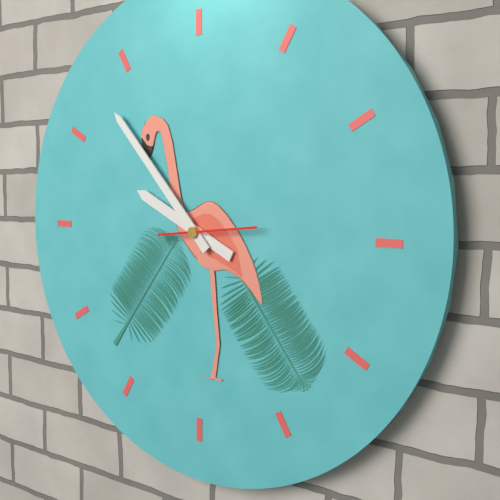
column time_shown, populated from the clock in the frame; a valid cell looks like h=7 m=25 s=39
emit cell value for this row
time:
h=9 m=53 s=14
